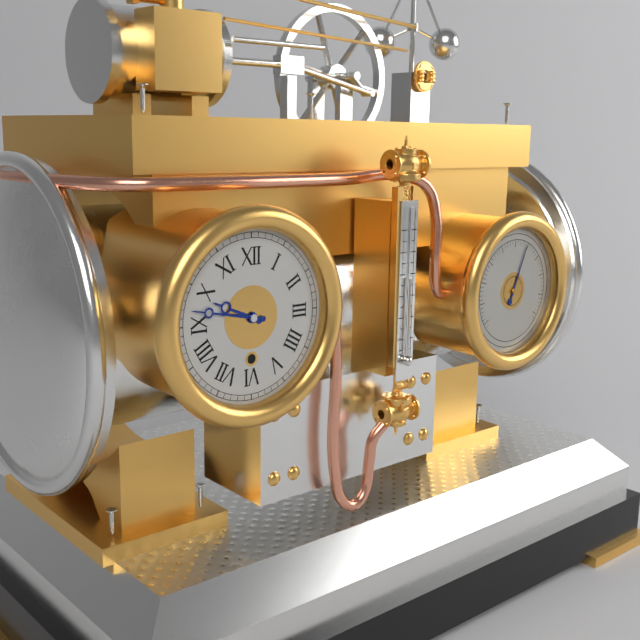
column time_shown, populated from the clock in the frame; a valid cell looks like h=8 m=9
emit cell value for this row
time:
h=9 m=47
